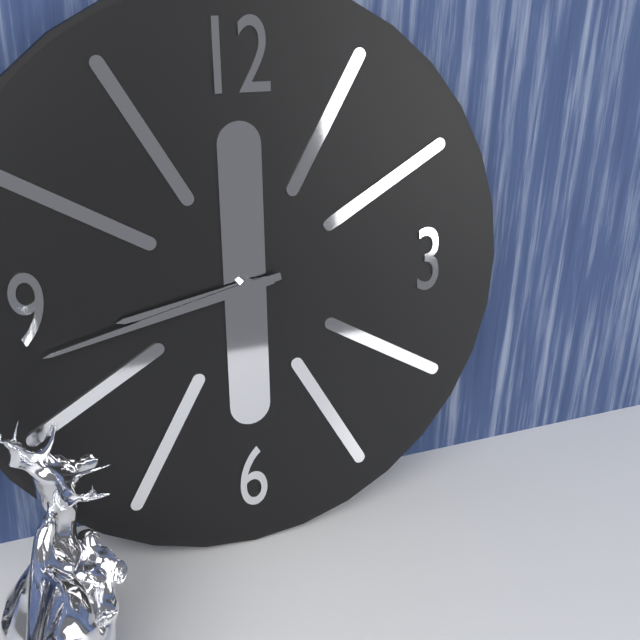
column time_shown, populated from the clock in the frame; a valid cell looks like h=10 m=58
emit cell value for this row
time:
h=8 m=43
